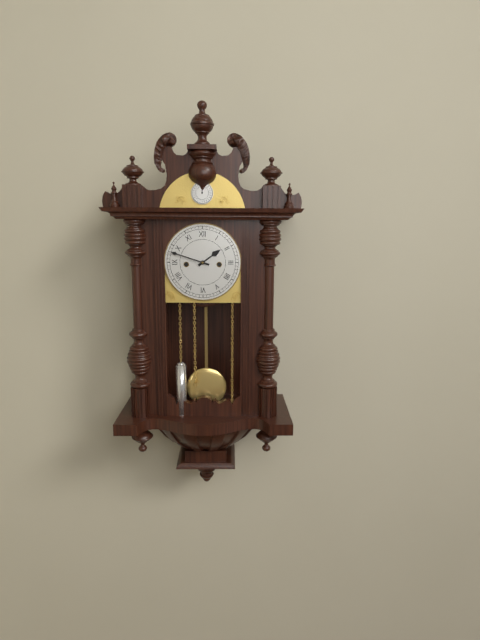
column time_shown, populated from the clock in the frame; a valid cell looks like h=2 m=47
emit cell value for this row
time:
h=1 m=48
